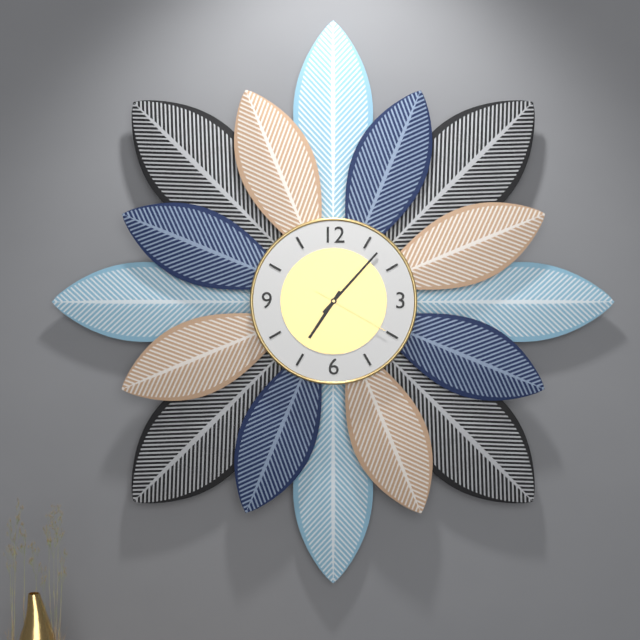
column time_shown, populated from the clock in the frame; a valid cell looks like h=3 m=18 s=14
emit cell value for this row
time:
h=7 m=7 s=20
